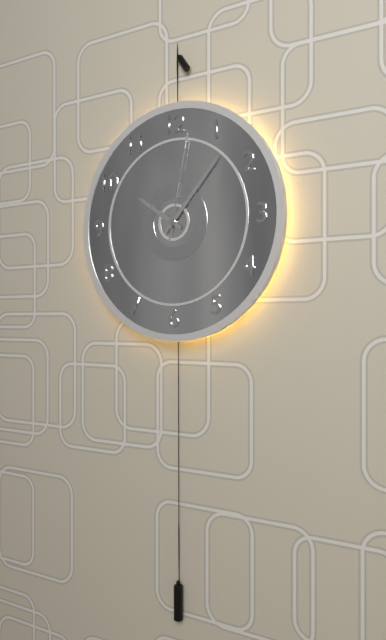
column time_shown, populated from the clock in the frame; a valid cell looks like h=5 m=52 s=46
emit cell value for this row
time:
h=10 m=7 s=2
